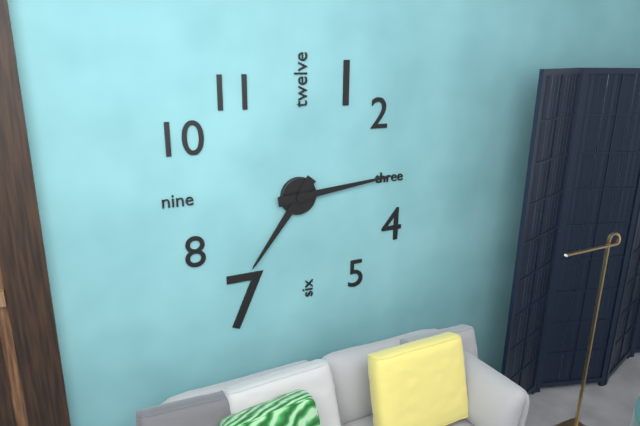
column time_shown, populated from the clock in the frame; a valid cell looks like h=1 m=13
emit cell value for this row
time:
h=7 m=14
